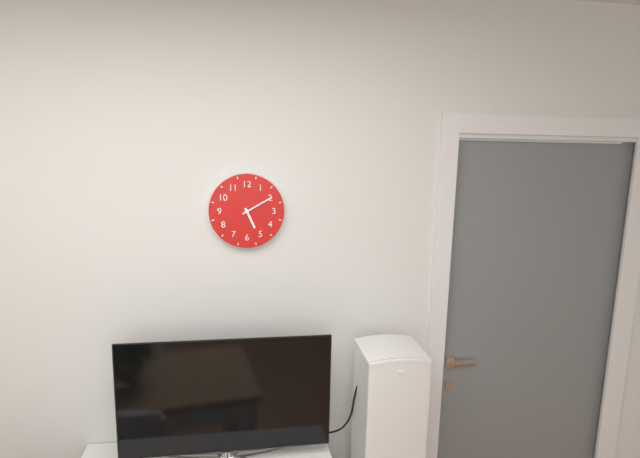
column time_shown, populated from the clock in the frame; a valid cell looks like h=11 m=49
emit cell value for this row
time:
h=5 m=10
